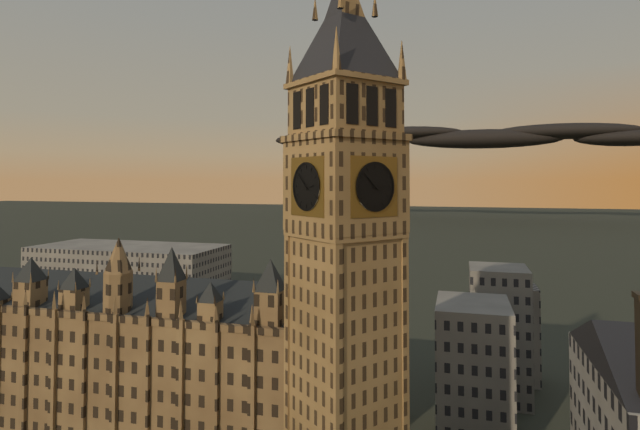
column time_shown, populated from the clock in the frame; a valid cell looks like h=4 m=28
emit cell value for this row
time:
h=2 m=52
